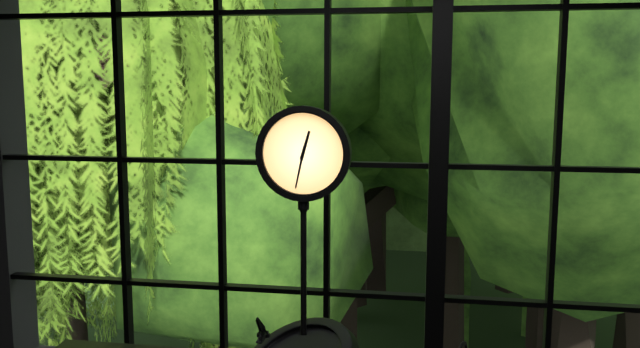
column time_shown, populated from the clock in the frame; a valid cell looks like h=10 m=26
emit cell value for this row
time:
h=12 m=32
